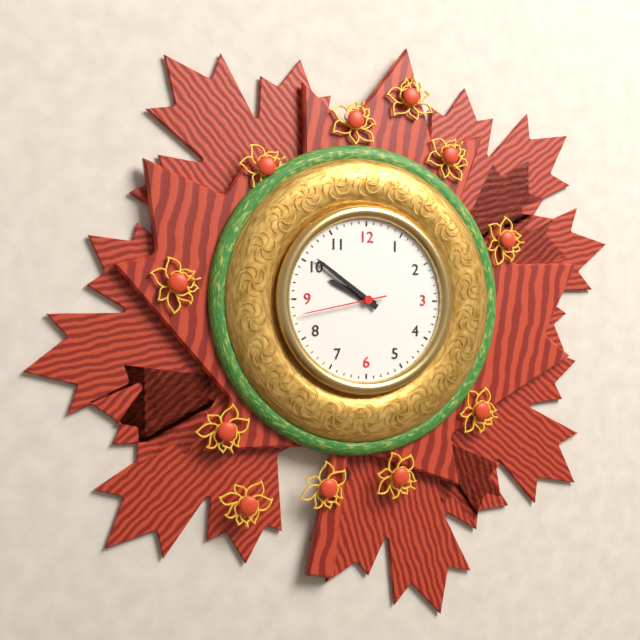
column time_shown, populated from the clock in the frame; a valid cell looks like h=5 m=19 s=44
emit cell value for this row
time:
h=9 m=51 s=43
